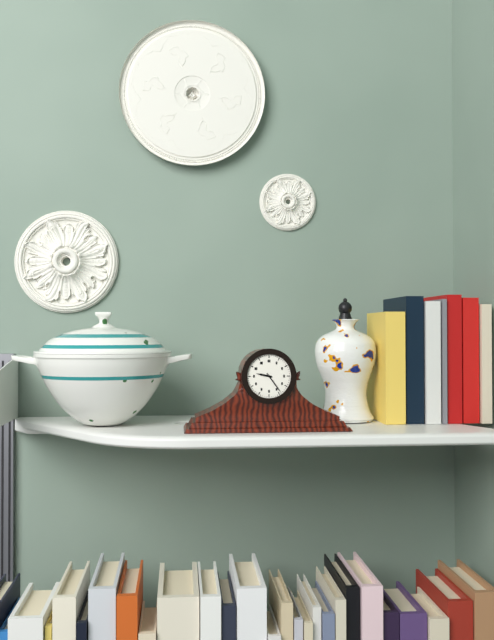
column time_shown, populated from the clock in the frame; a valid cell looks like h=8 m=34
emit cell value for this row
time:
h=9 m=24
